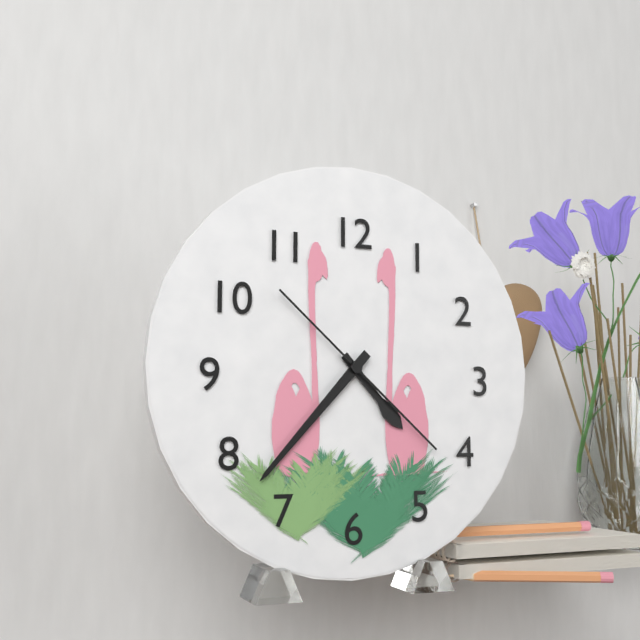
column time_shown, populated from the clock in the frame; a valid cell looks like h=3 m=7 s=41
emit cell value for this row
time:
h=4 m=37 s=22
